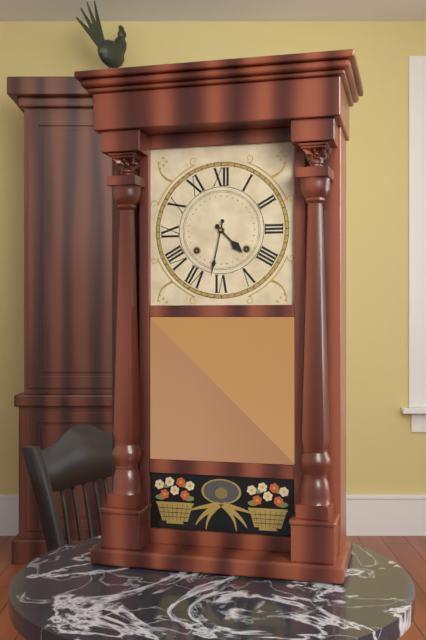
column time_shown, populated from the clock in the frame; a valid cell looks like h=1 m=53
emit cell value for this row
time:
h=4 m=32
